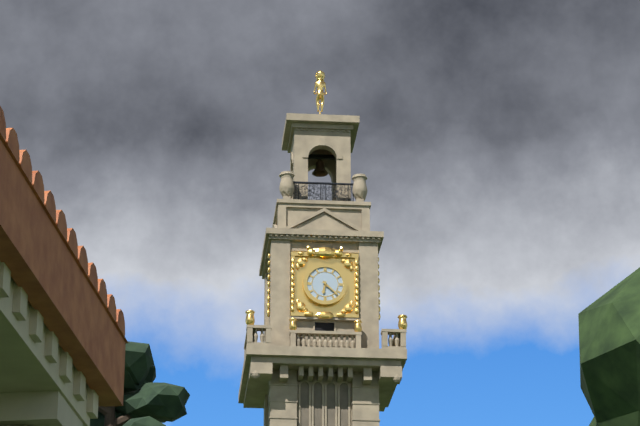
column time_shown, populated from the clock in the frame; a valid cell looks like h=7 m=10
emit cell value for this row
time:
h=6 m=22
